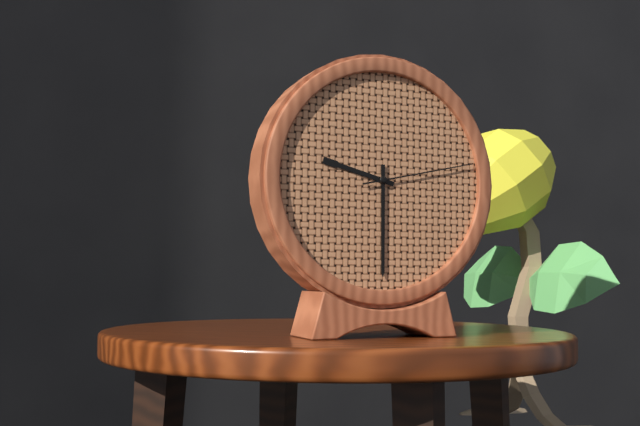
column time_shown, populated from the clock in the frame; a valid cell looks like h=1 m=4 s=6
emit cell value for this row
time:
h=9 m=30 s=13
